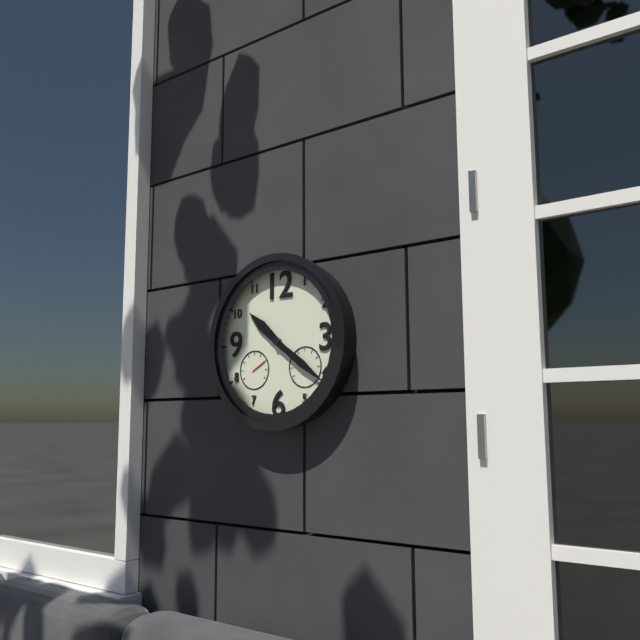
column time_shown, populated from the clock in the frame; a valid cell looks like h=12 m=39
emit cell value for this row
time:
h=10 m=21
